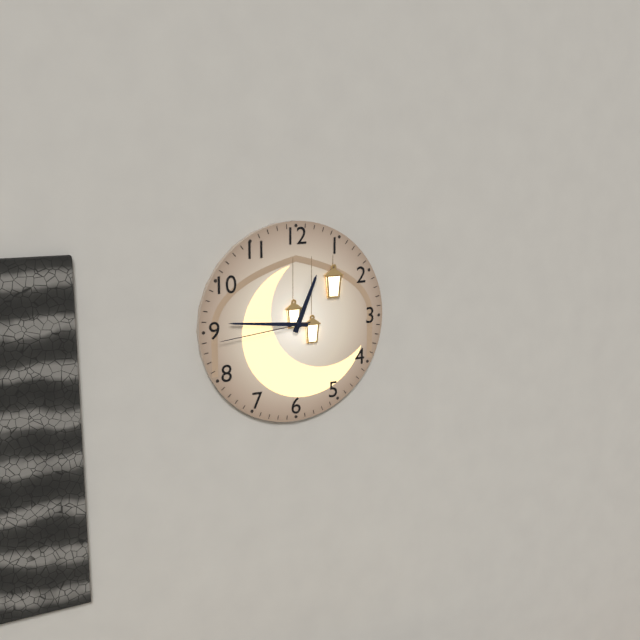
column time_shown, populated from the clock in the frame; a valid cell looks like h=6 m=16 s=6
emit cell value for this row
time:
h=12 m=46 s=44
